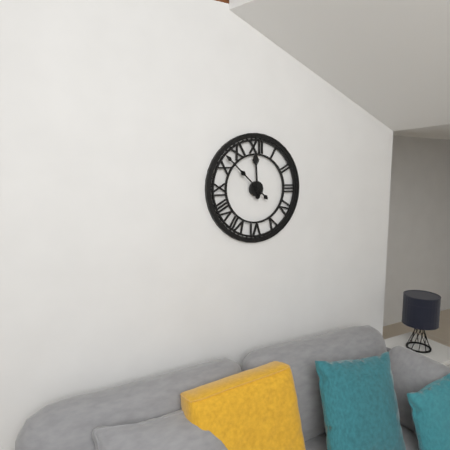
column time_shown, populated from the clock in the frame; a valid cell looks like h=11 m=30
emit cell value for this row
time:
h=11 m=52
